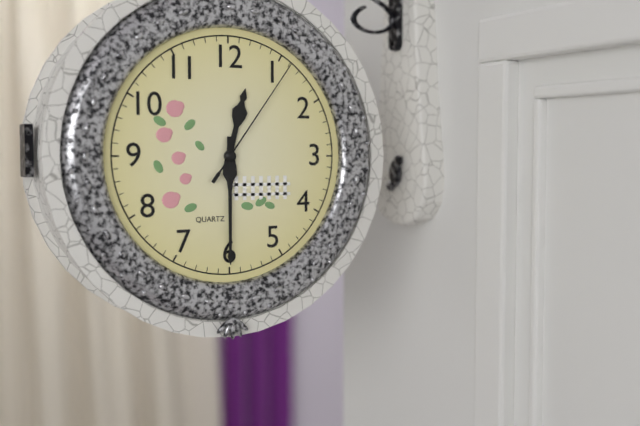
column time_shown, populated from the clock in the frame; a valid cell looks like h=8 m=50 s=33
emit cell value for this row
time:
h=12 m=30 s=6
